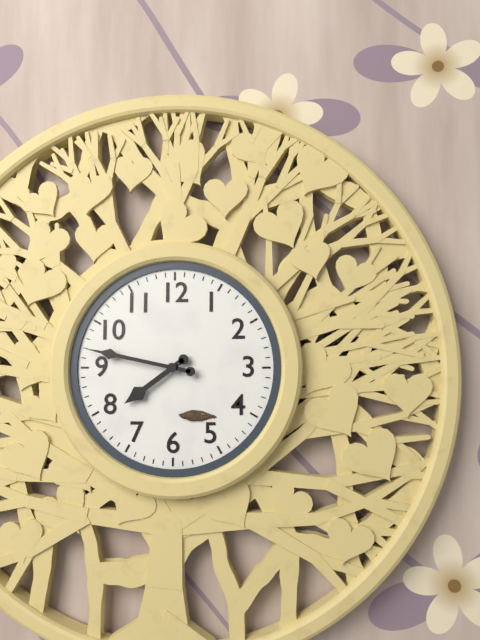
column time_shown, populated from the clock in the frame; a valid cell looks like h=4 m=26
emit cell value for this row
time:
h=7 m=47
